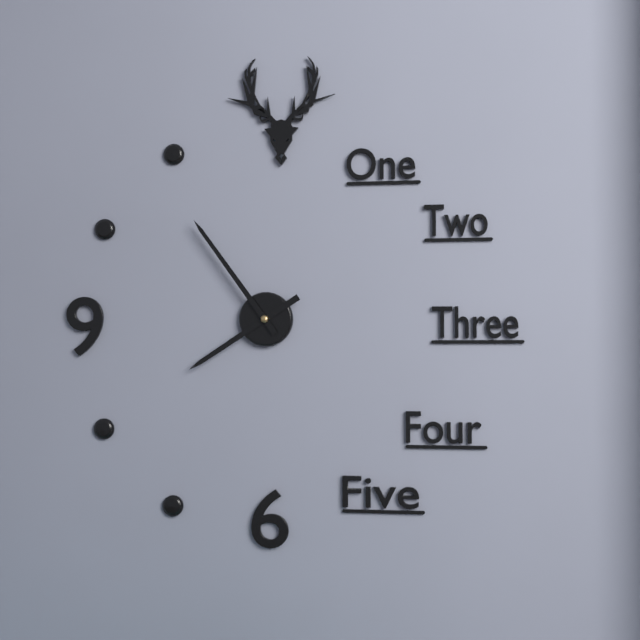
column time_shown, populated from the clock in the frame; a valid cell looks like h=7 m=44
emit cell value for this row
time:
h=7 m=54
